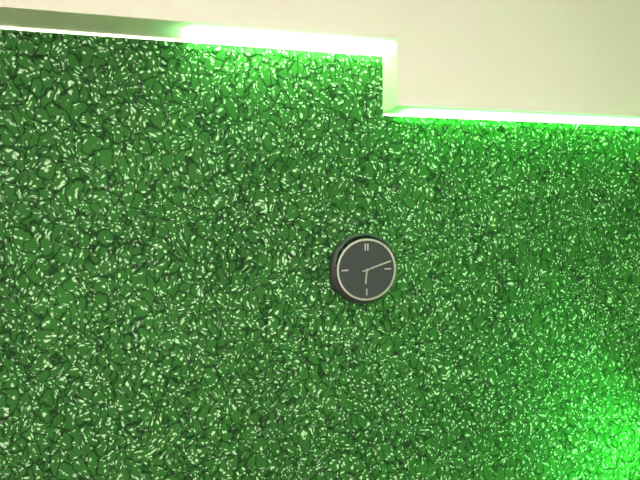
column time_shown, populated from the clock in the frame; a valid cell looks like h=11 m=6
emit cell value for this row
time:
h=6 m=12
